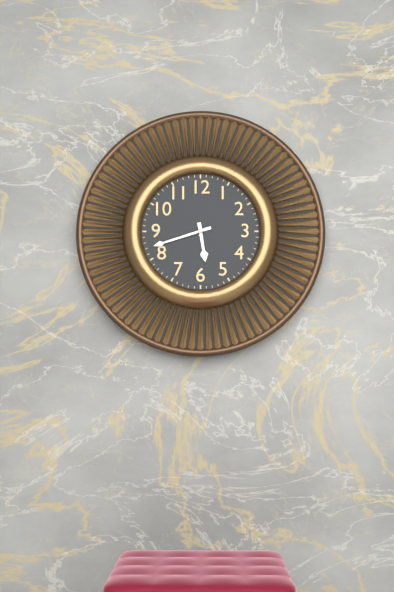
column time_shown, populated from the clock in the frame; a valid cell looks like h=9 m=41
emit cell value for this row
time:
h=5 m=42
